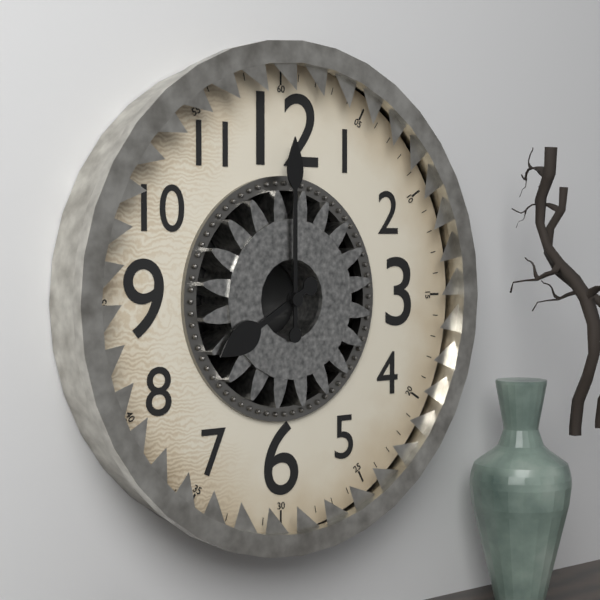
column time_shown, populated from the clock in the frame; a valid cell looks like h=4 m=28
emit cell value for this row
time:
h=8 m=0
